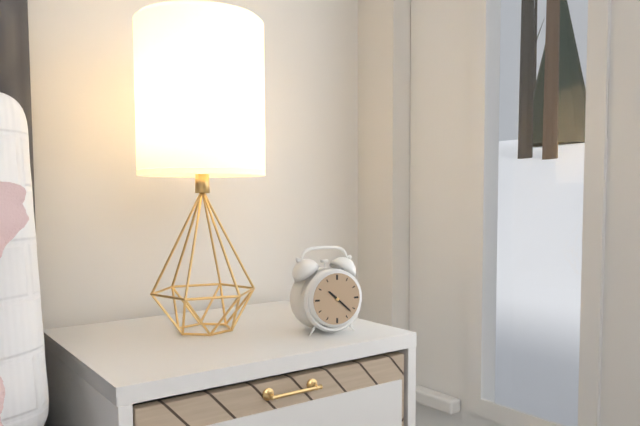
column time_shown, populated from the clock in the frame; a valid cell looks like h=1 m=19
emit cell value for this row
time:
h=10 m=22
